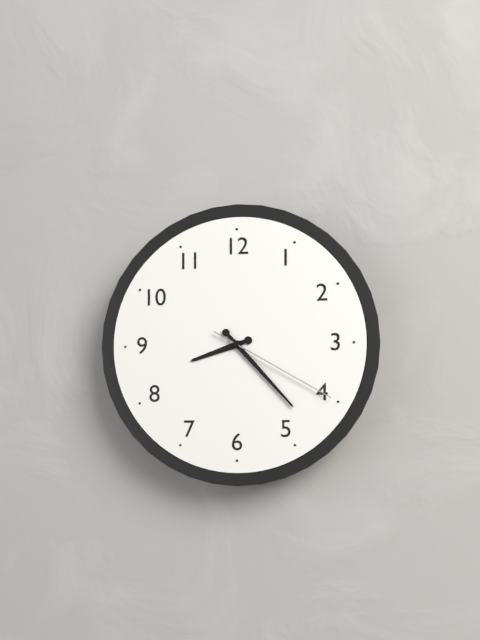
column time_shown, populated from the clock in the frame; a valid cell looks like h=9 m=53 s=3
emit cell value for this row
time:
h=8 m=23 s=20
